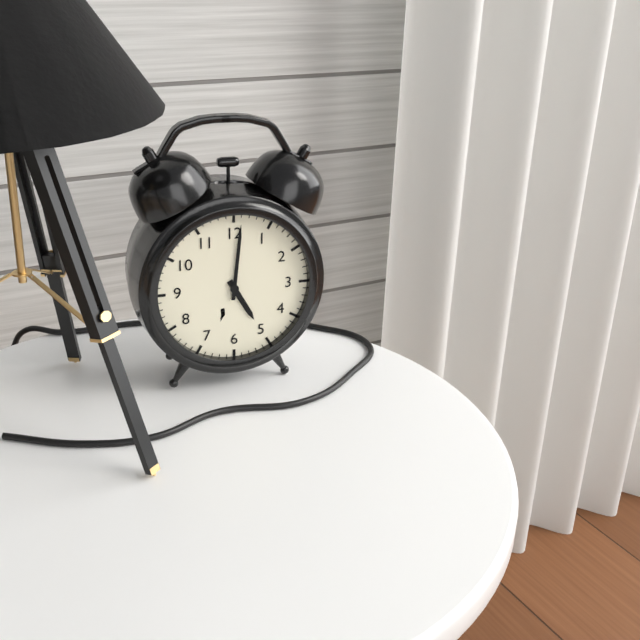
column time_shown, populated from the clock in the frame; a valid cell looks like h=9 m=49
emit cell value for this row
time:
h=5 m=1
